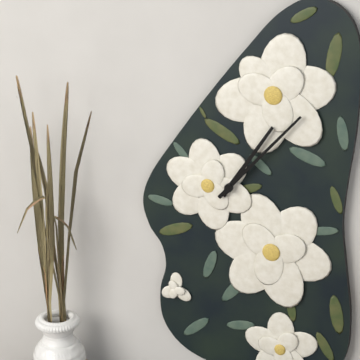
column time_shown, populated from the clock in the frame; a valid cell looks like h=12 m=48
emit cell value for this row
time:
h=1 m=7
